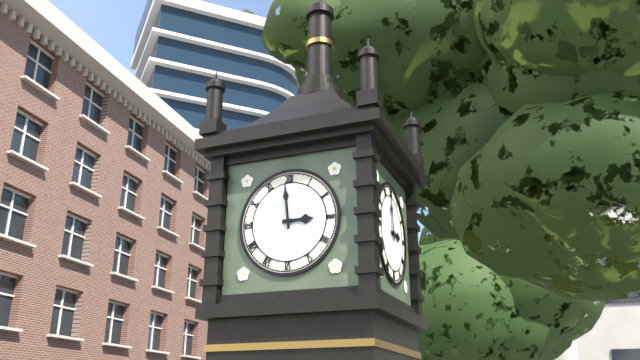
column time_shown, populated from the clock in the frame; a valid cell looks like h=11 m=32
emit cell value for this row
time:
h=2 m=59
